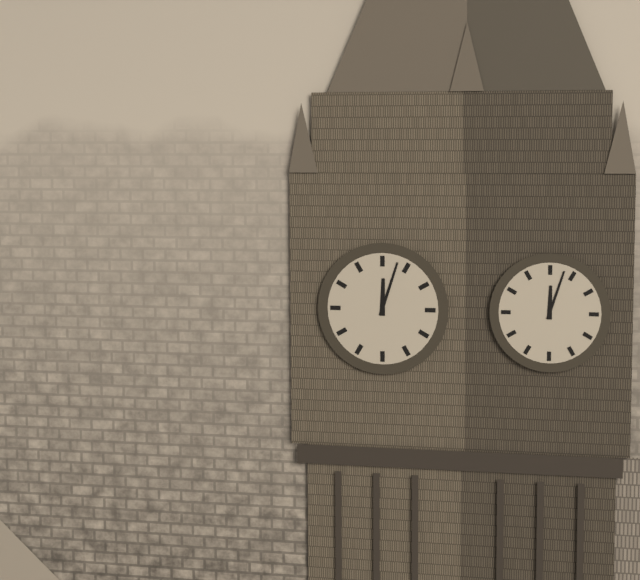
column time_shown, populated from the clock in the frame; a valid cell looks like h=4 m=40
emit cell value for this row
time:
h=12 m=3
